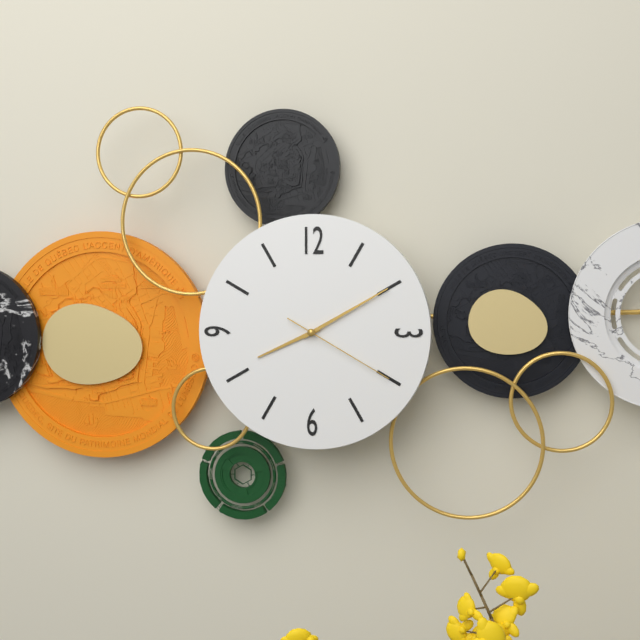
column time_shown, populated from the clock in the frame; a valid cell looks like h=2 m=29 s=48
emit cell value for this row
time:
h=8 m=10 s=20
